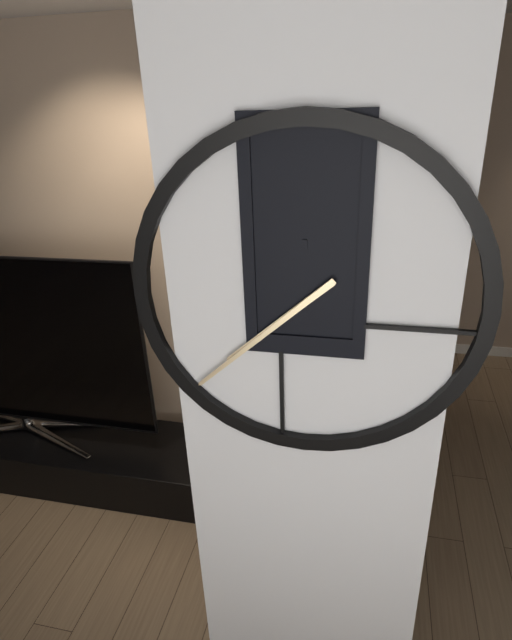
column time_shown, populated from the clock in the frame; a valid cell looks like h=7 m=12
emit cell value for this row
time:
h=7 m=38
